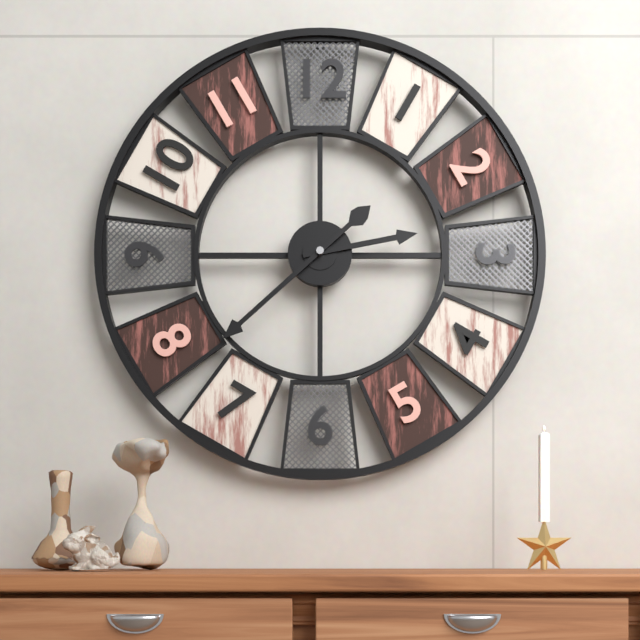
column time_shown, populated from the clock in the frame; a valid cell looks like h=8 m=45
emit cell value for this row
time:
h=2 m=38
